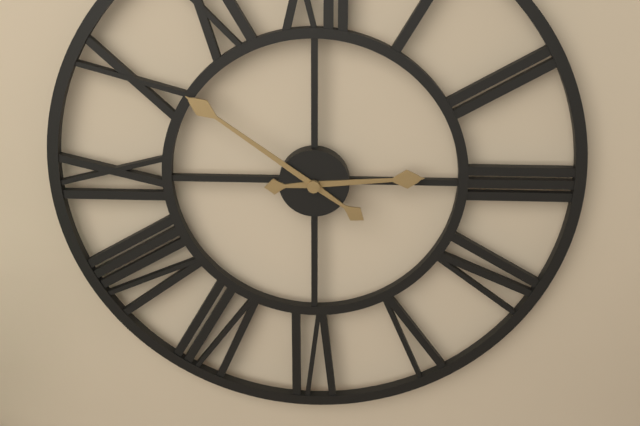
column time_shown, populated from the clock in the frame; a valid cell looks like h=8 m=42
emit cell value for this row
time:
h=2 m=51
